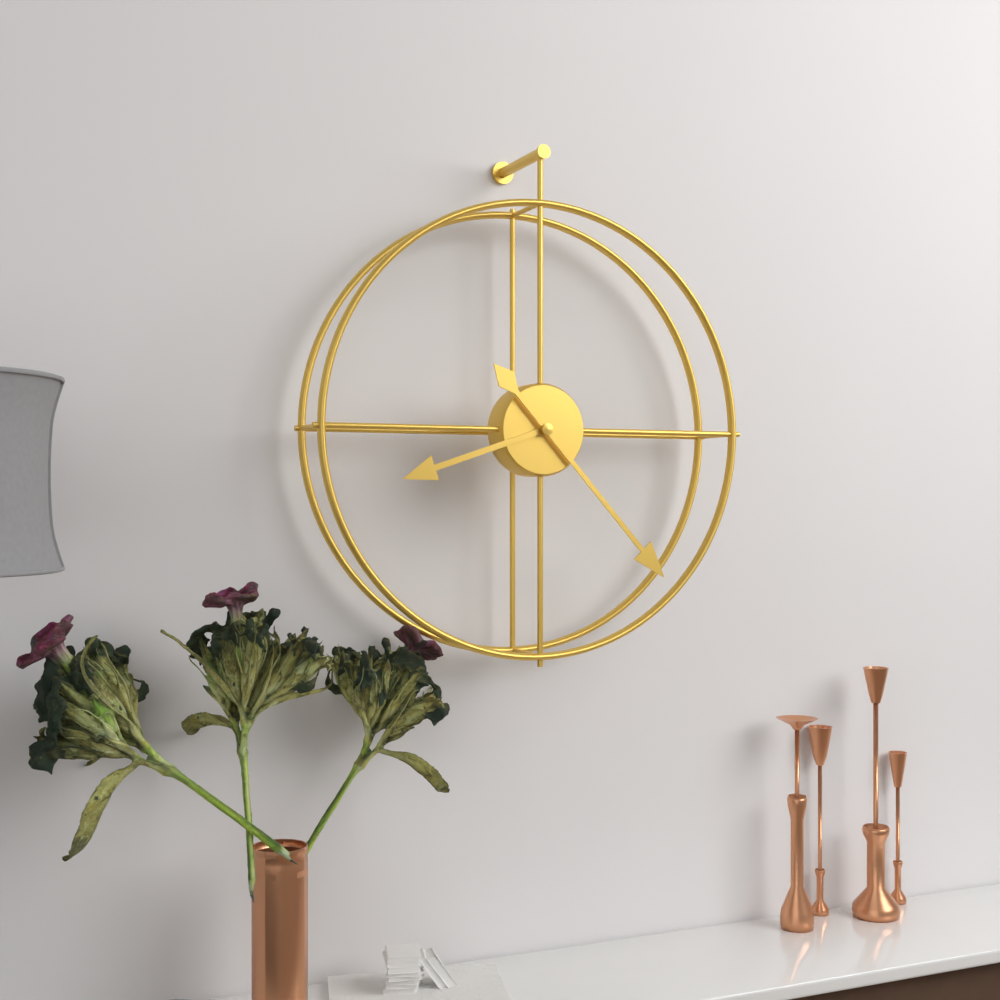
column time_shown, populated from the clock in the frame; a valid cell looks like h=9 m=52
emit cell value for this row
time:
h=8 m=23
